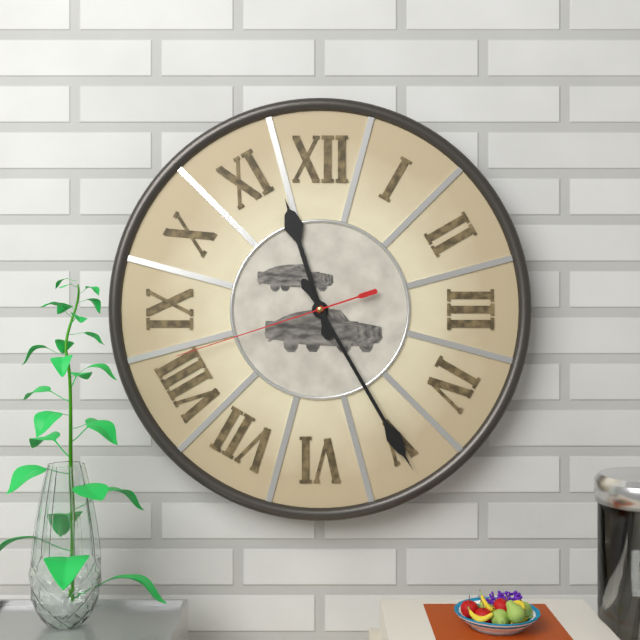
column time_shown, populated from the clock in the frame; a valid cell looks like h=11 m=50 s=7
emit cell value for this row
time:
h=11 m=25 s=42
